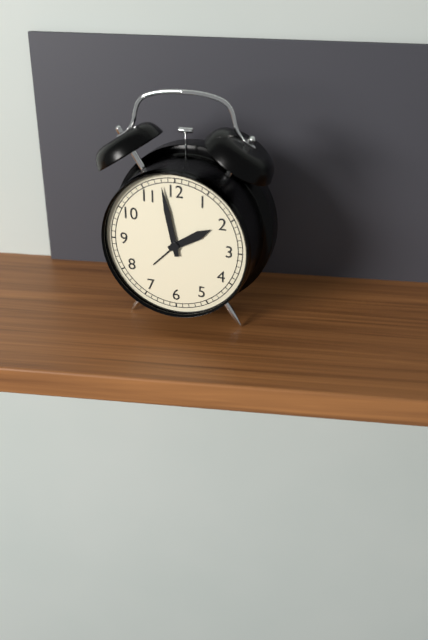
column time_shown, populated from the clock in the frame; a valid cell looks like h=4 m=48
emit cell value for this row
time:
h=1 m=58
